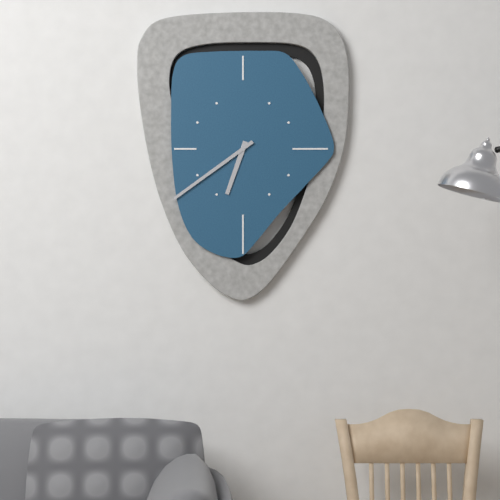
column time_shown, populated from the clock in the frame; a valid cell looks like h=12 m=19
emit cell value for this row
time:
h=6 m=39
